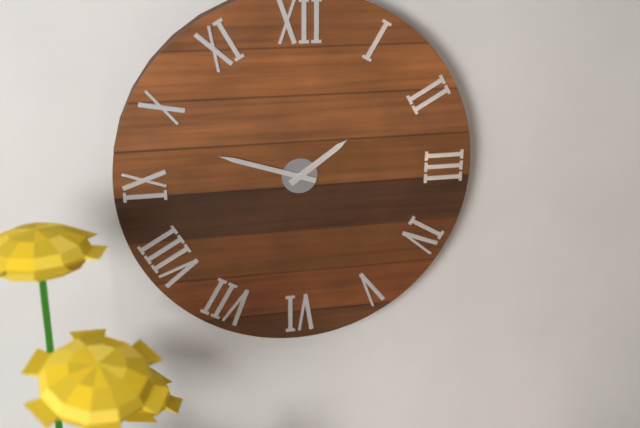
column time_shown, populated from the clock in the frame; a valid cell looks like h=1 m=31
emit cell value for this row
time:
h=1 m=48
